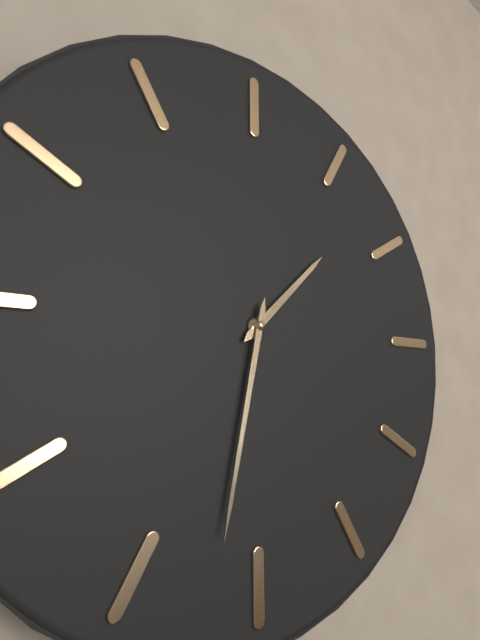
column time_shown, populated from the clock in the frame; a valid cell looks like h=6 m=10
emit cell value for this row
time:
h=1 m=32
